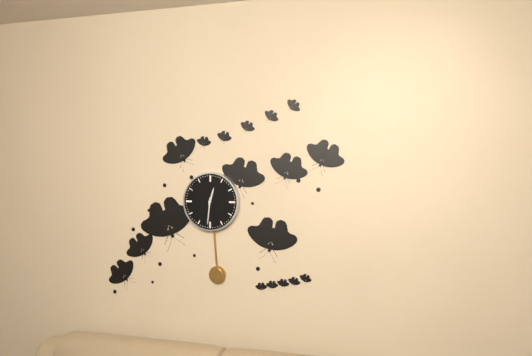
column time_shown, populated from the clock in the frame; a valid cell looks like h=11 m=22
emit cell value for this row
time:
h=12 m=31
